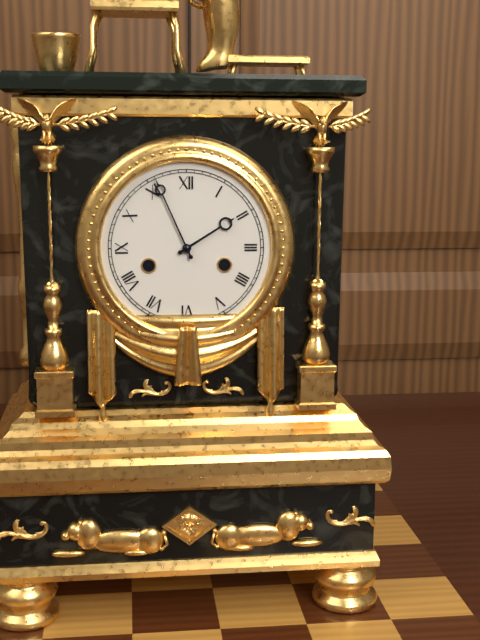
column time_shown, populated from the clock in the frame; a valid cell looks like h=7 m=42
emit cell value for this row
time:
h=1 m=56
